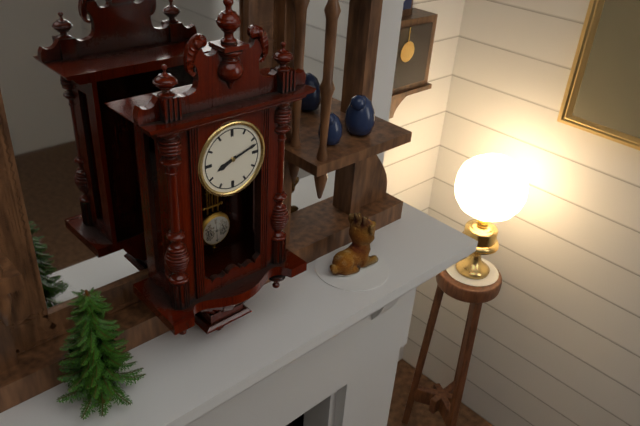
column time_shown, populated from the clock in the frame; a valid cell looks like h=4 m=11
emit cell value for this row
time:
h=8 m=12
